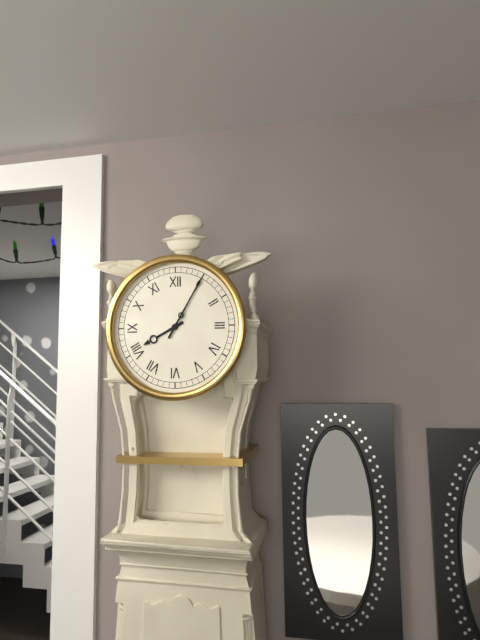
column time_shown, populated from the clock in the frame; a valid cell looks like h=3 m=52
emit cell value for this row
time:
h=8 m=5
